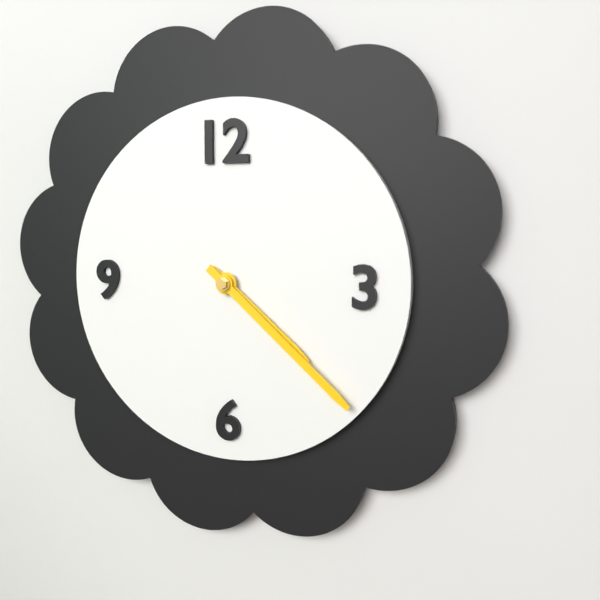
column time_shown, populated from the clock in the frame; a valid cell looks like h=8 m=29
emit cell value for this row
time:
h=4 m=22
